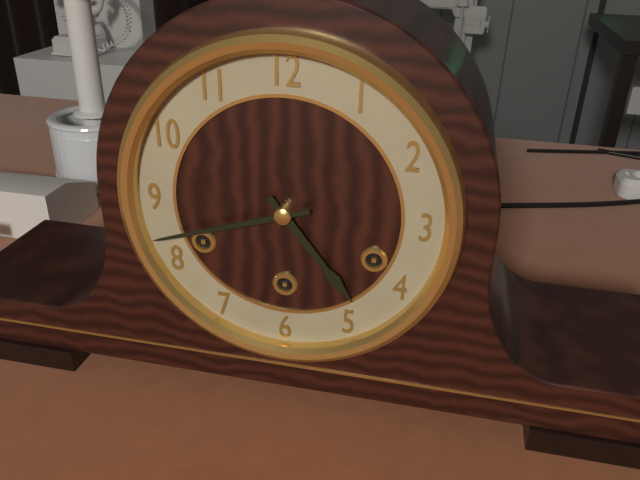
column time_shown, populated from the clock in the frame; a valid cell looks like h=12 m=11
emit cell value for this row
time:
h=4 m=42
